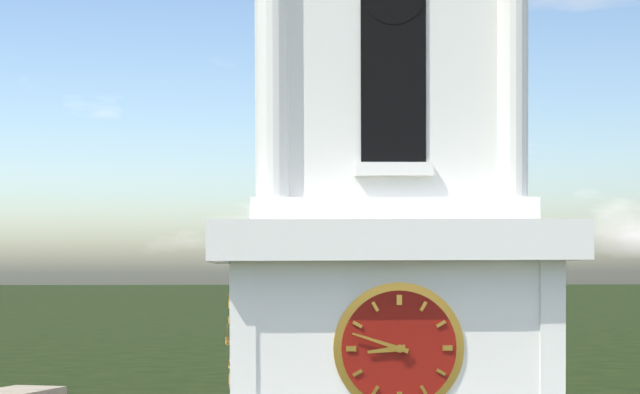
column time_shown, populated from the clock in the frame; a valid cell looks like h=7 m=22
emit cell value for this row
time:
h=8 m=48
